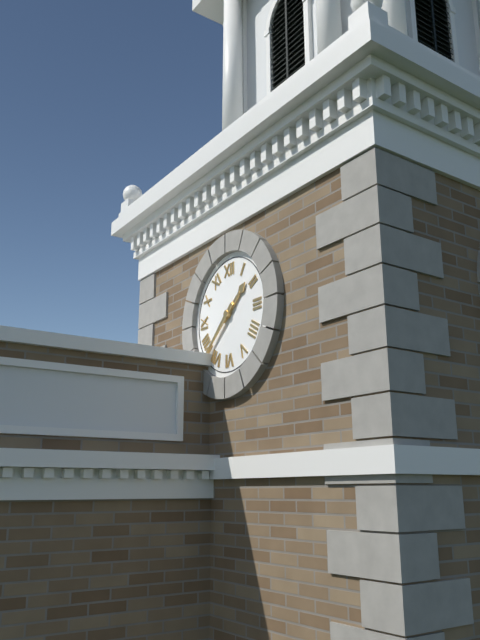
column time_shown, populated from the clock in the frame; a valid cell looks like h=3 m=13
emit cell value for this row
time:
h=1 m=38
